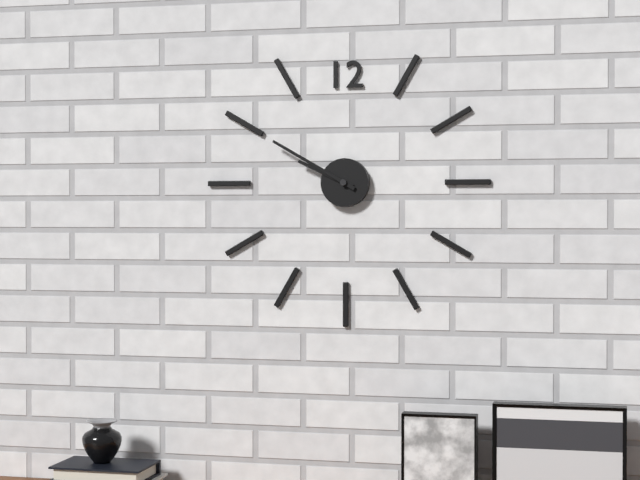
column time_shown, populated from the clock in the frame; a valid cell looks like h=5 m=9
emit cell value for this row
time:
h=9 m=50
